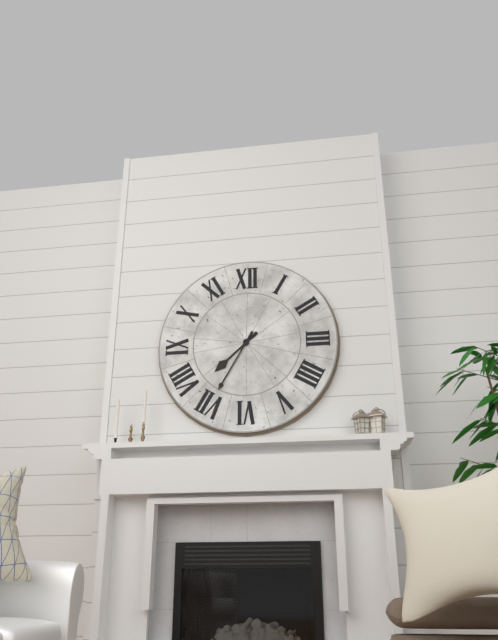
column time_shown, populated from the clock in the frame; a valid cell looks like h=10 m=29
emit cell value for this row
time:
h=7 m=35
